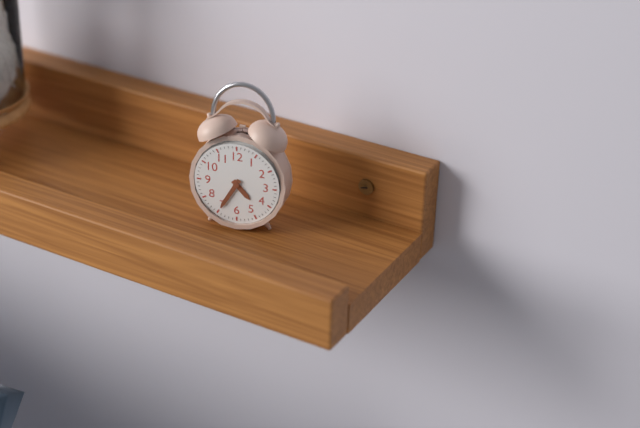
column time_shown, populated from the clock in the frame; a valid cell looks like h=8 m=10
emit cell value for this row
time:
h=4 m=35
